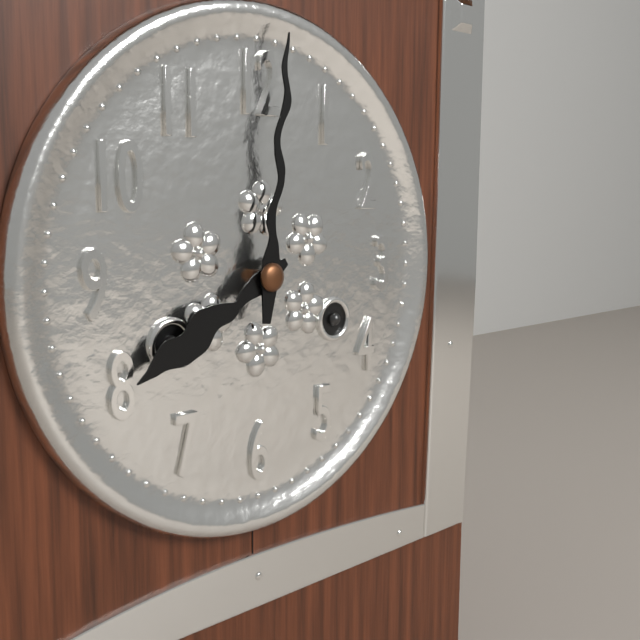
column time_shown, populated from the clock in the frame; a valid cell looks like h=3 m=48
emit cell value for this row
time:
h=8 m=1
